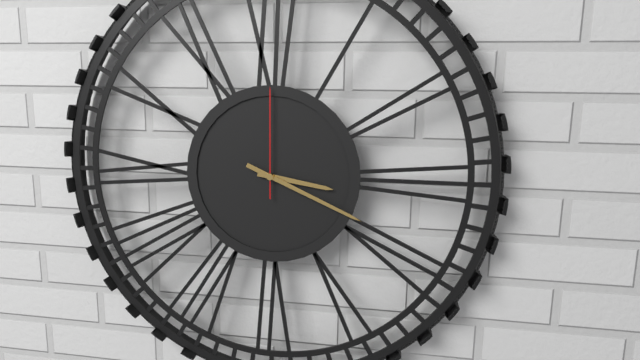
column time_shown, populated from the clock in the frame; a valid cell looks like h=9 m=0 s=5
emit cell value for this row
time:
h=3 m=19 s=0
